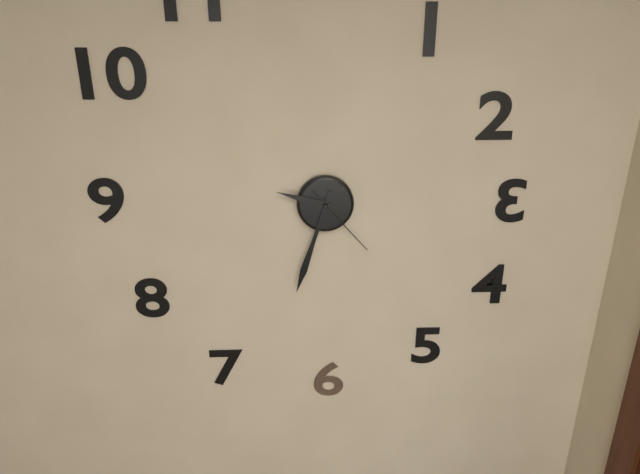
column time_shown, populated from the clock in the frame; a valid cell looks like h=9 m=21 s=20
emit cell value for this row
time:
h=9 m=33 s=23
